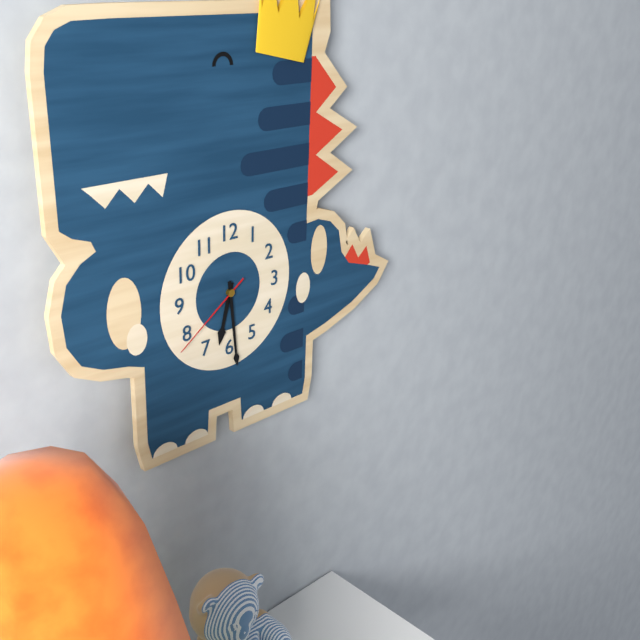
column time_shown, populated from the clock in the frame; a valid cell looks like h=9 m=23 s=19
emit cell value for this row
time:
h=6 m=29 s=39
